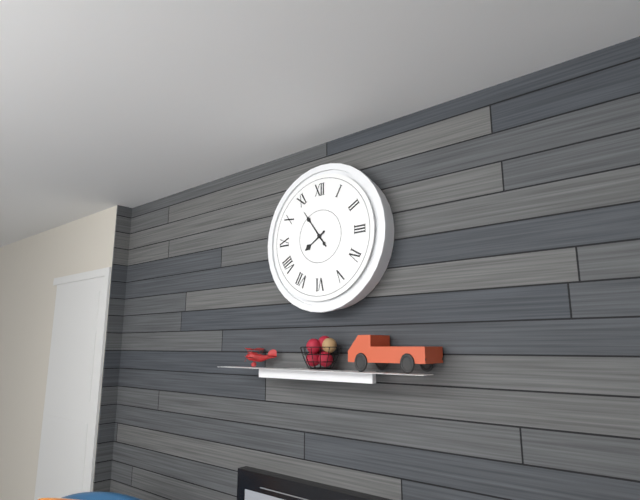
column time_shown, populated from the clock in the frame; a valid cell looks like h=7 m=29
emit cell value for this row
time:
h=7 m=54
